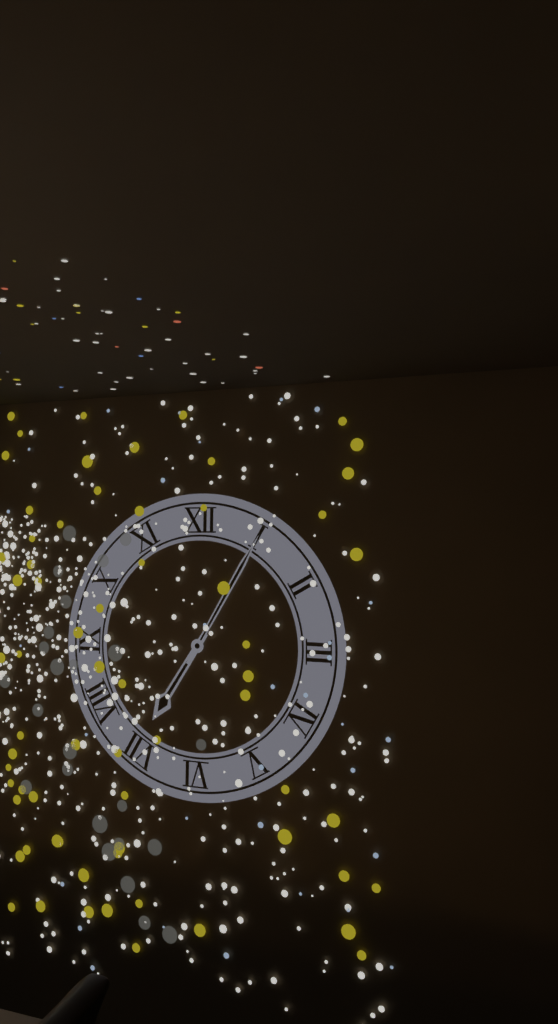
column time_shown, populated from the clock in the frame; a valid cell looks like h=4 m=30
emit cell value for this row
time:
h=7 m=5
